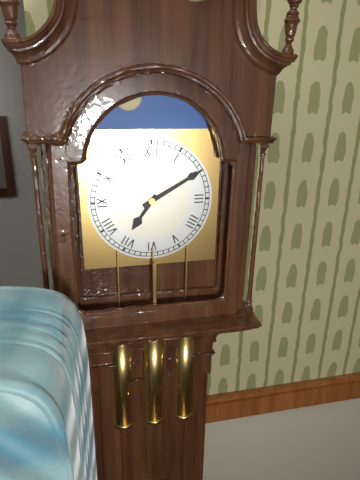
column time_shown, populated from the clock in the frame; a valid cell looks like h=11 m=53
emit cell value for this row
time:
h=7 m=10
